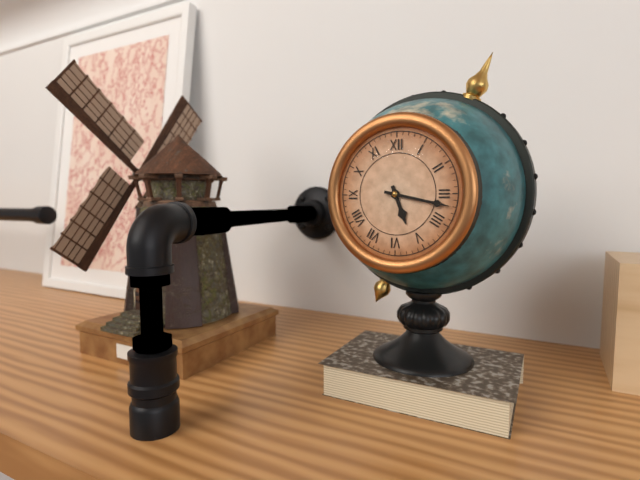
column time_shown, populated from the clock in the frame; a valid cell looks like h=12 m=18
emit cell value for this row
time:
h=5 m=17
